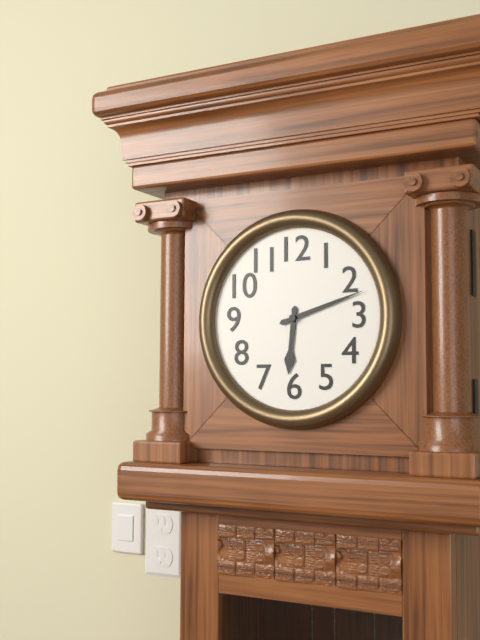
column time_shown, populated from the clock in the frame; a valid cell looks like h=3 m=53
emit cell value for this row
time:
h=6 m=12
